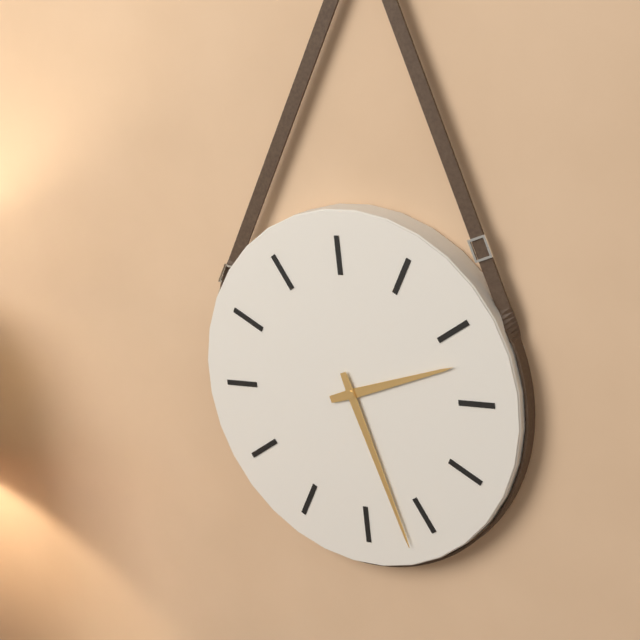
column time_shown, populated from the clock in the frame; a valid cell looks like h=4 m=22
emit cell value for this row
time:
h=2 m=27
